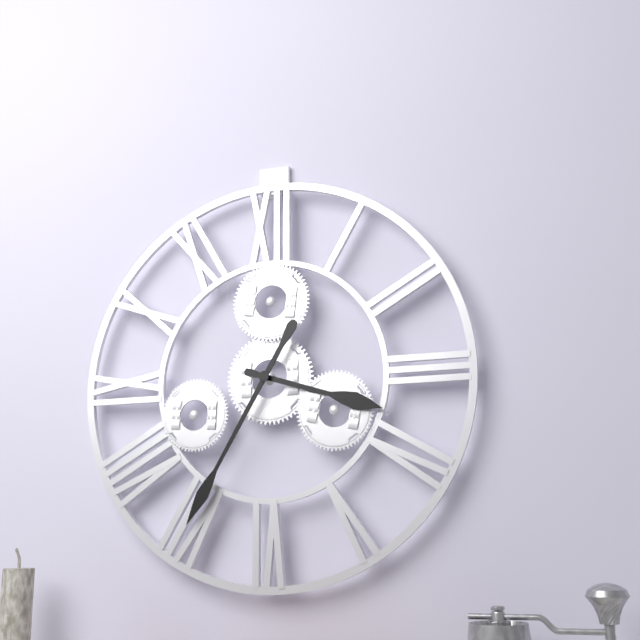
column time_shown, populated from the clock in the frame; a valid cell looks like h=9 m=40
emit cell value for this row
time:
h=3 m=35
